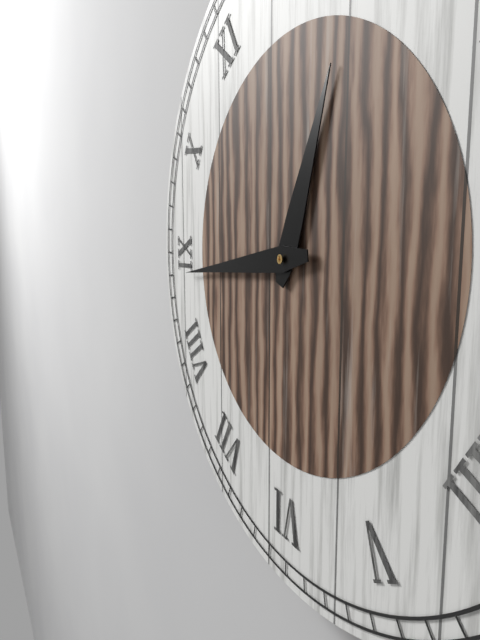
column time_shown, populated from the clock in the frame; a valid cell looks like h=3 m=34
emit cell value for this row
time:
h=12 m=44
